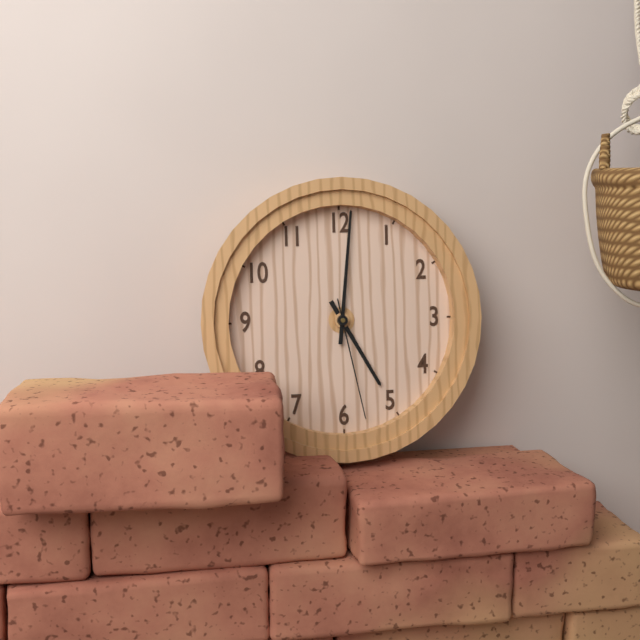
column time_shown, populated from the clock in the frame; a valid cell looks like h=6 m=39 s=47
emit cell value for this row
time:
h=5 m=1 s=28
